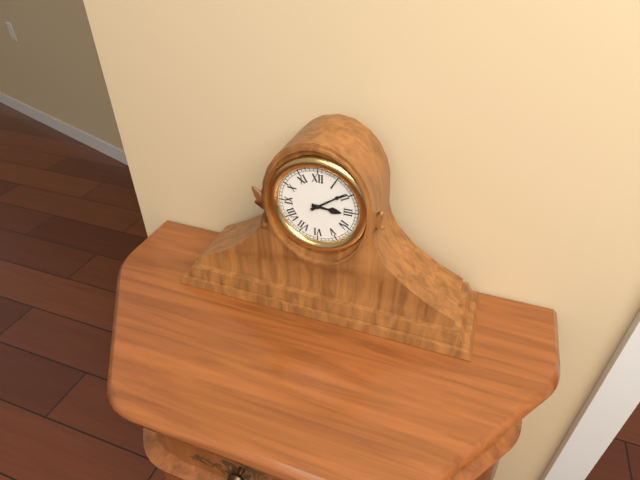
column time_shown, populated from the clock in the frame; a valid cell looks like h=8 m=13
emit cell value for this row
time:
h=3 m=9
